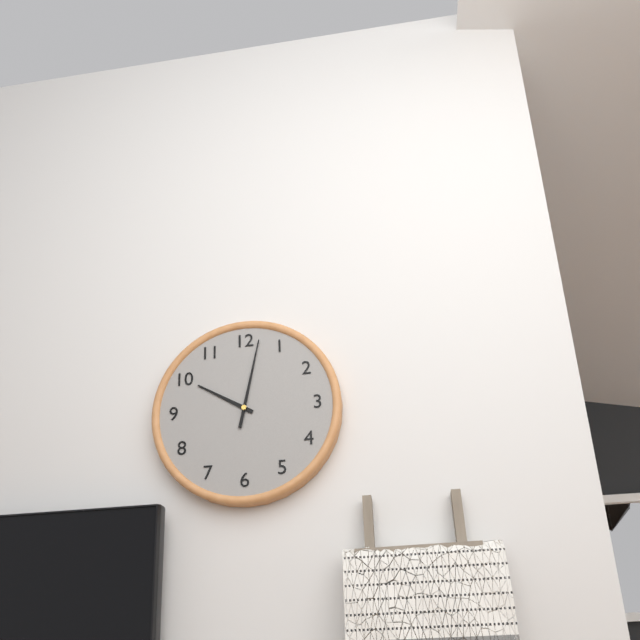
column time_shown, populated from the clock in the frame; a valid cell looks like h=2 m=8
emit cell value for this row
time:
h=10 m=2
